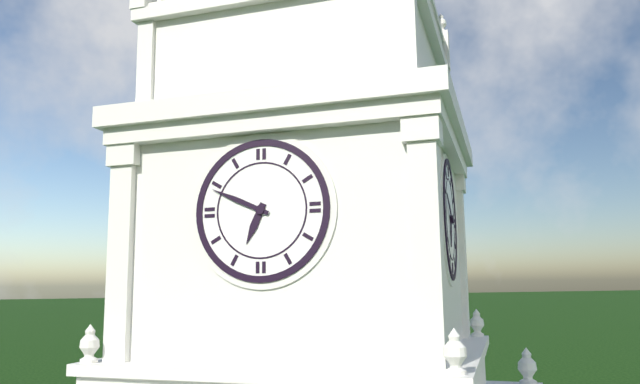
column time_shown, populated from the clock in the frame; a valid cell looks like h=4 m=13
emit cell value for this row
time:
h=6 m=49
